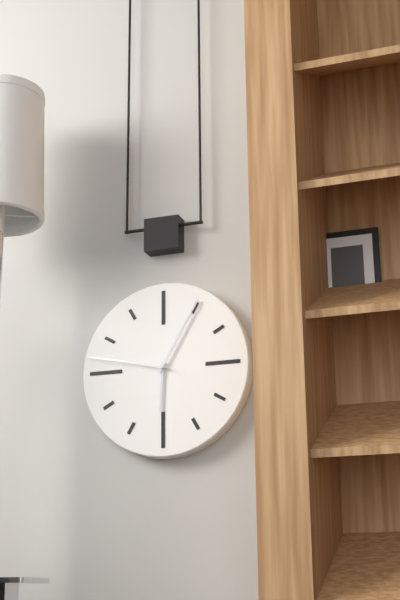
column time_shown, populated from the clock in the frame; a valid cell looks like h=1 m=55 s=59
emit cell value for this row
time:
h=6 m=5 s=47
